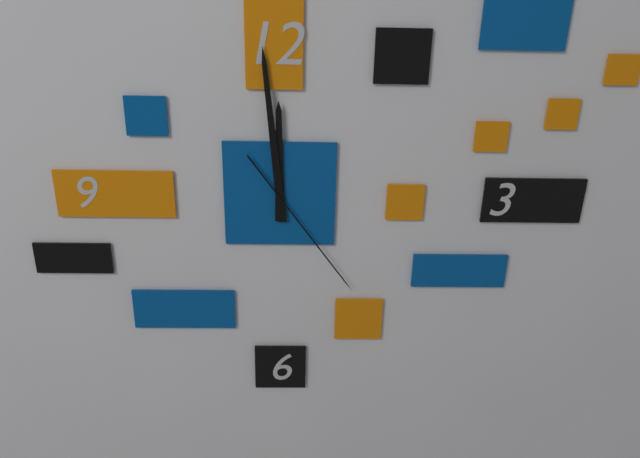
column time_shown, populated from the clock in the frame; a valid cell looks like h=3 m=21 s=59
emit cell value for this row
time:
h=11 m=59 s=24
